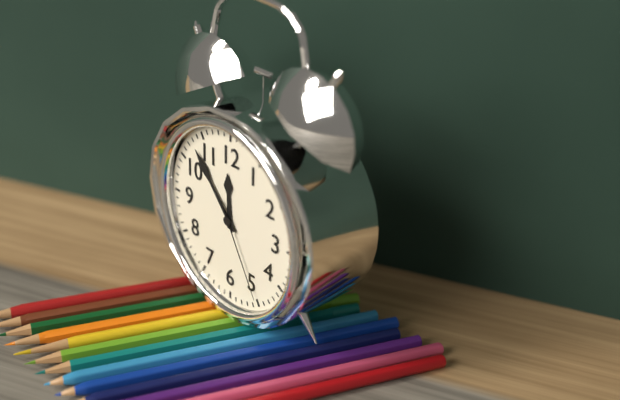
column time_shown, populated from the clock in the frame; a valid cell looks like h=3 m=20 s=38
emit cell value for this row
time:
h=11 m=53 s=25
